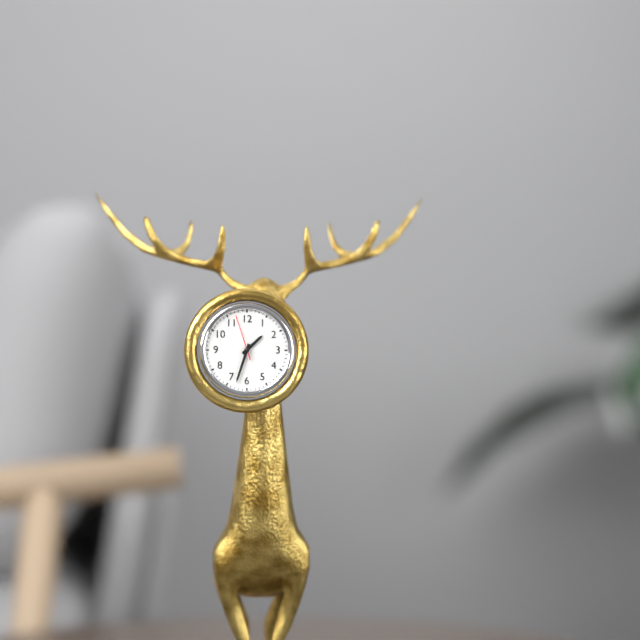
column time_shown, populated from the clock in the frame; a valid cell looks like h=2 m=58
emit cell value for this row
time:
h=1 m=33
